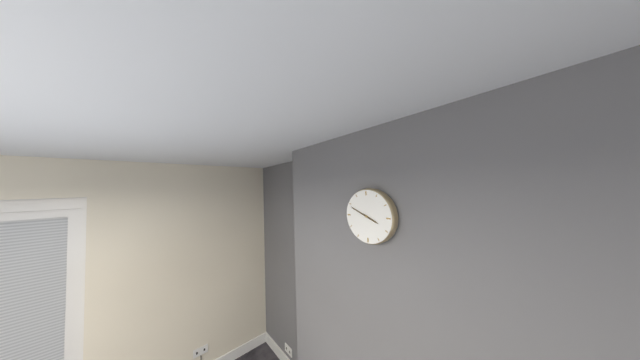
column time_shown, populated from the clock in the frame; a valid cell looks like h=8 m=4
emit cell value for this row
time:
h=3 m=49
